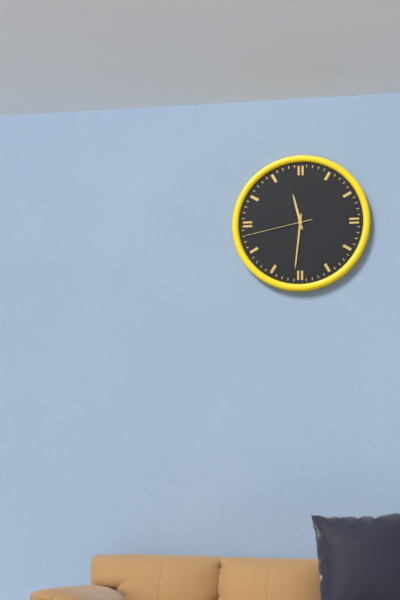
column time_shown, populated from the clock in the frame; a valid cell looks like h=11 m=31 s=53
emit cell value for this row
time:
h=11 m=31 s=43
